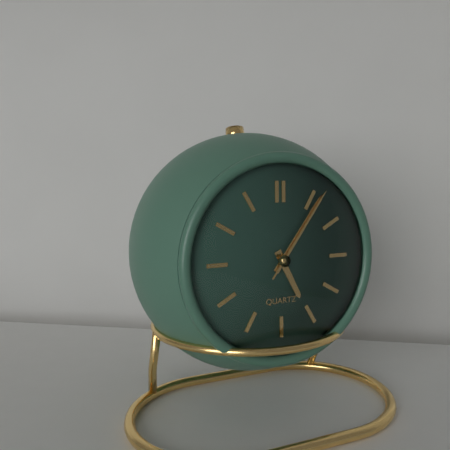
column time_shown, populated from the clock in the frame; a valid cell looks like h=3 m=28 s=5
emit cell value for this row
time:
h=5 m=6 s=6
